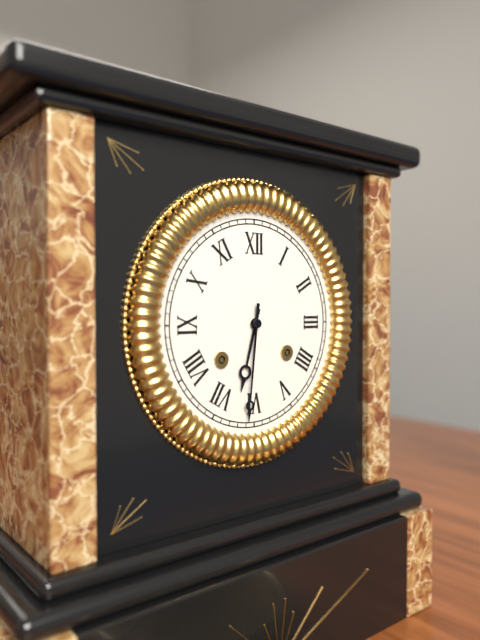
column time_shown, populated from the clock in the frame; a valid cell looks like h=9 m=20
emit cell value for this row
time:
h=6 m=31
